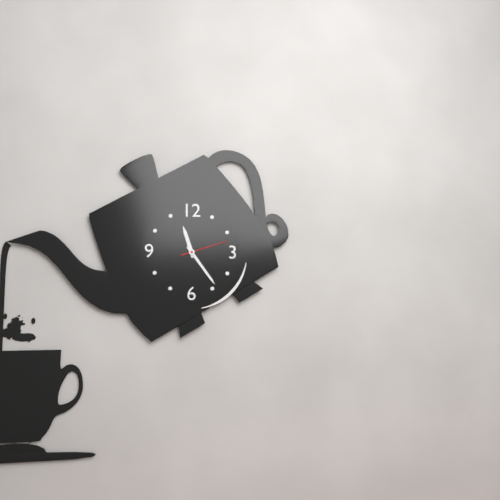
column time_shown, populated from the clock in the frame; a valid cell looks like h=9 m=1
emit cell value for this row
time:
h=11 m=24
